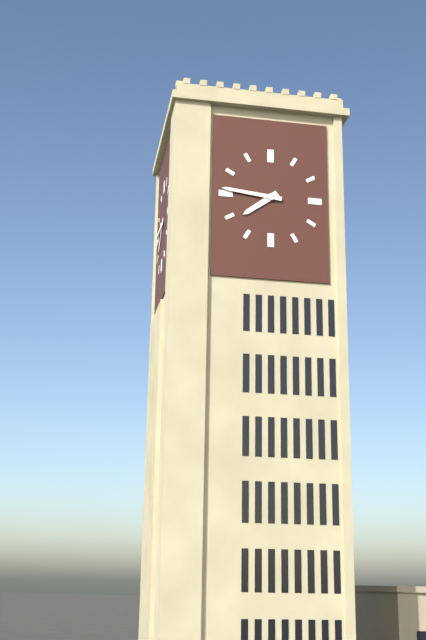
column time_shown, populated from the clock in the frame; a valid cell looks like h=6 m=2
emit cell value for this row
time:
h=7 m=46
